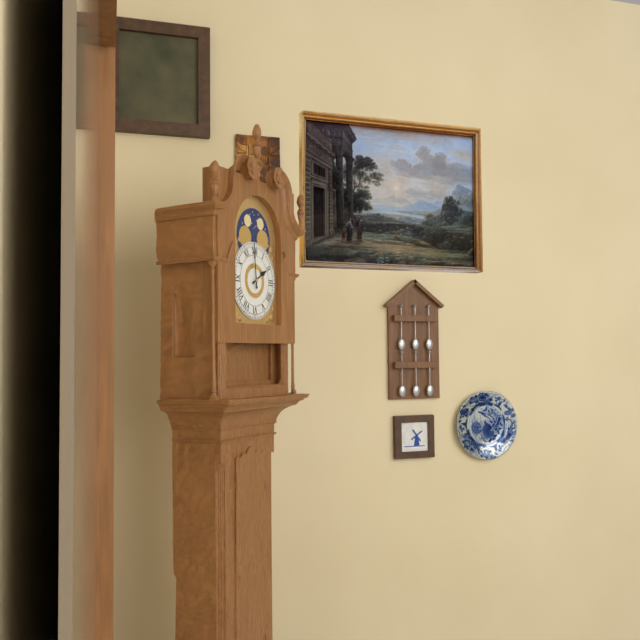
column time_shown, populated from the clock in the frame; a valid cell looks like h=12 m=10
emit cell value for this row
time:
h=1 m=59
